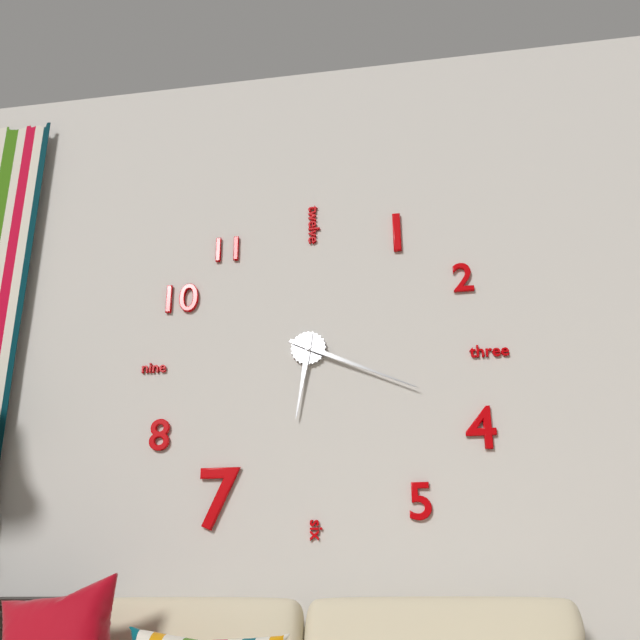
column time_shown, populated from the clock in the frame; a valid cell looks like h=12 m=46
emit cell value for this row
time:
h=6 m=19
